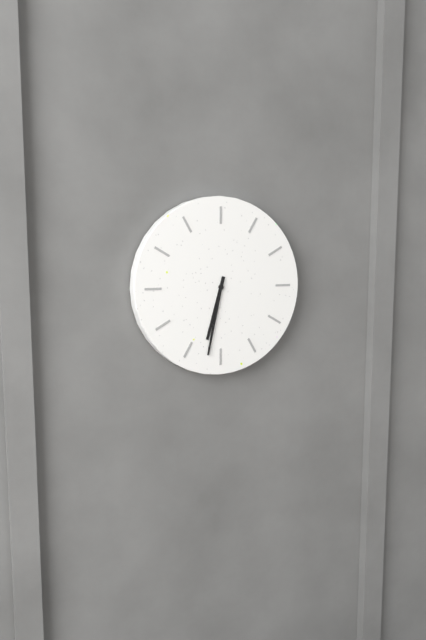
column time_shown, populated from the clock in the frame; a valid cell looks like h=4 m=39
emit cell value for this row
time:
h=6 m=32
